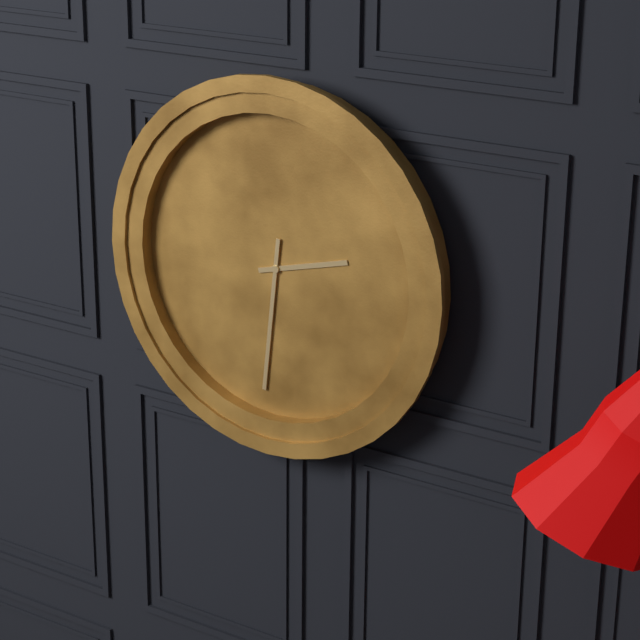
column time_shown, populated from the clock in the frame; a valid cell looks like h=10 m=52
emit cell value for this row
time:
h=2 m=31
